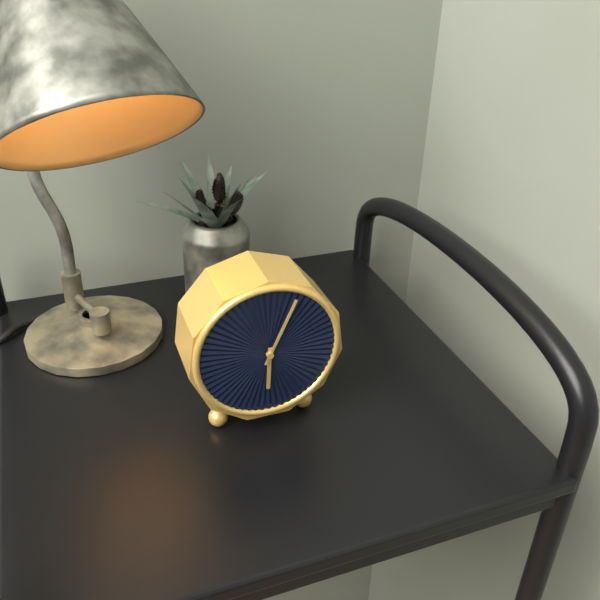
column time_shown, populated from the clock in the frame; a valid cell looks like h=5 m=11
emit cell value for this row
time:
h=6 m=4
